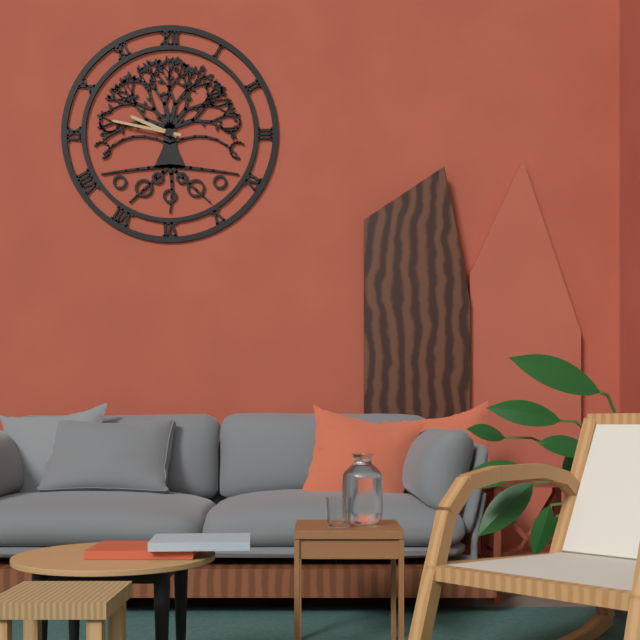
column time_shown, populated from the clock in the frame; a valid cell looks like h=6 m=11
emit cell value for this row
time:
h=9 m=47
